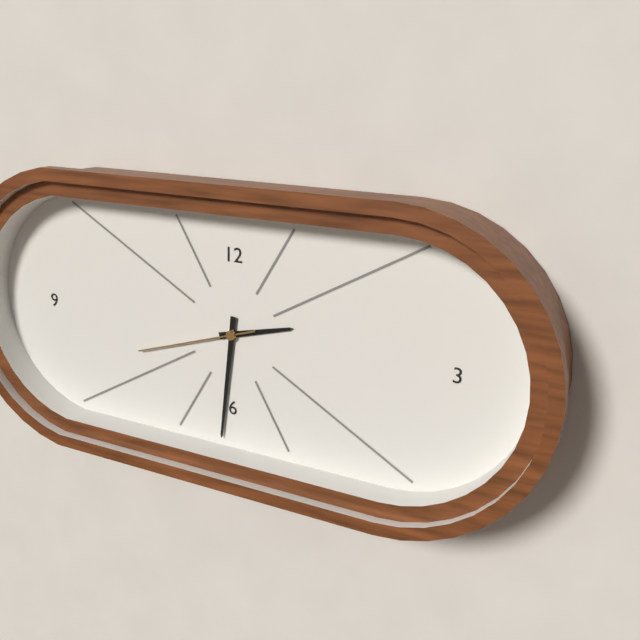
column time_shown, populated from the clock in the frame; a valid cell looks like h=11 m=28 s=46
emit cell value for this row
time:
h=2 m=31 s=42
